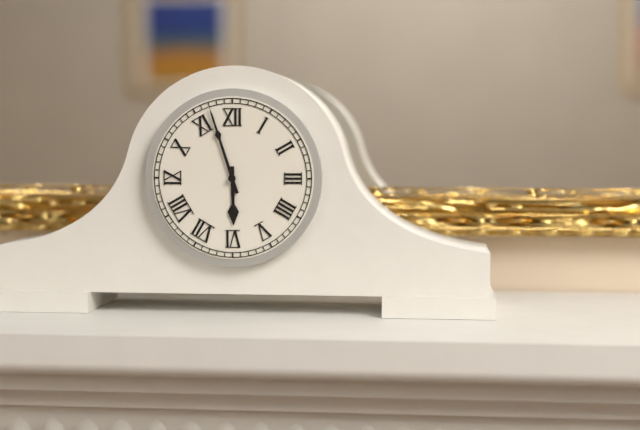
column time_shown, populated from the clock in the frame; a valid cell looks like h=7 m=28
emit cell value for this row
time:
h=5 m=57
